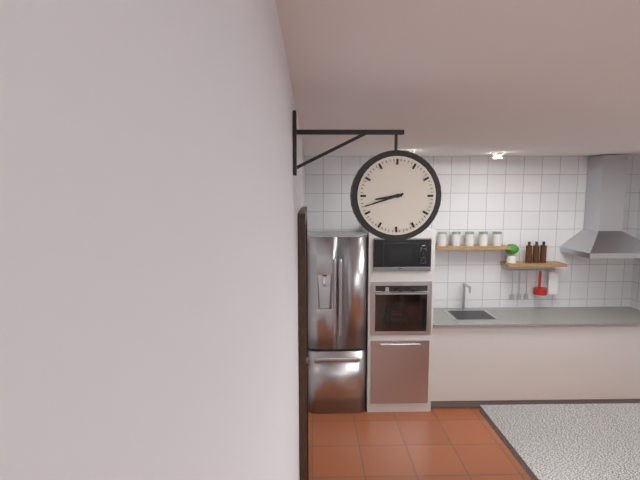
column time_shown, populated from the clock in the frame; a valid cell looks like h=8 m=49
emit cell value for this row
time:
h=8 m=42
